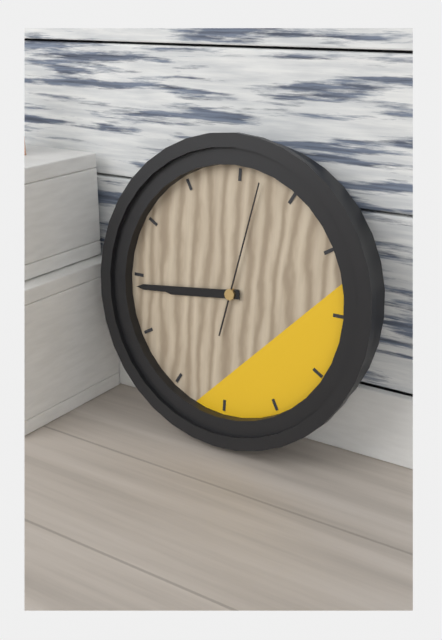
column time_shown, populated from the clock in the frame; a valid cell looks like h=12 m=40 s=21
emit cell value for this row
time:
h=8 m=44 s=2
